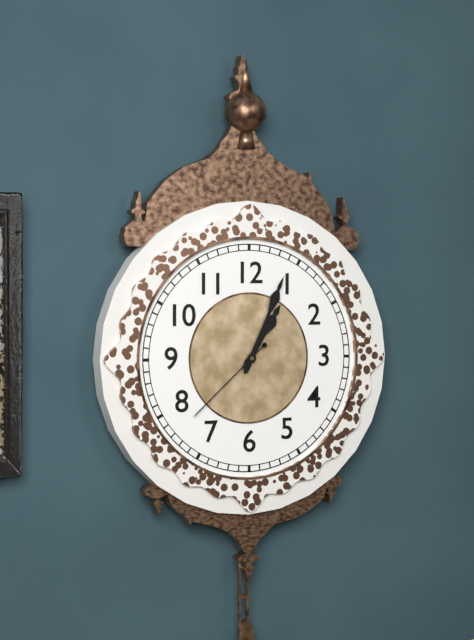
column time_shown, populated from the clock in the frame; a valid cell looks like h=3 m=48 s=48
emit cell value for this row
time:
h=1 m=4 s=38
